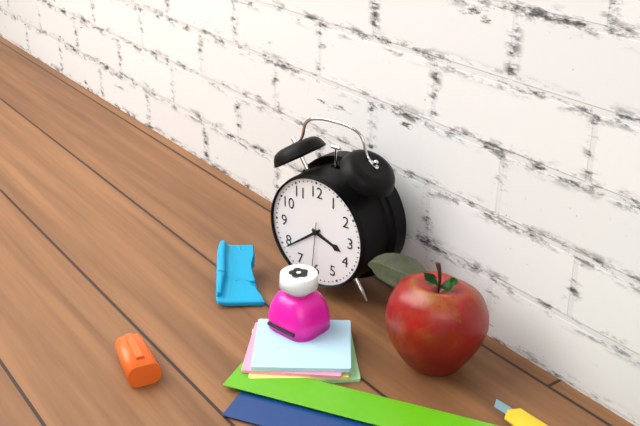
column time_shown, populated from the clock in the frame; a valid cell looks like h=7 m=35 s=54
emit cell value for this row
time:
h=3 m=39 s=31
